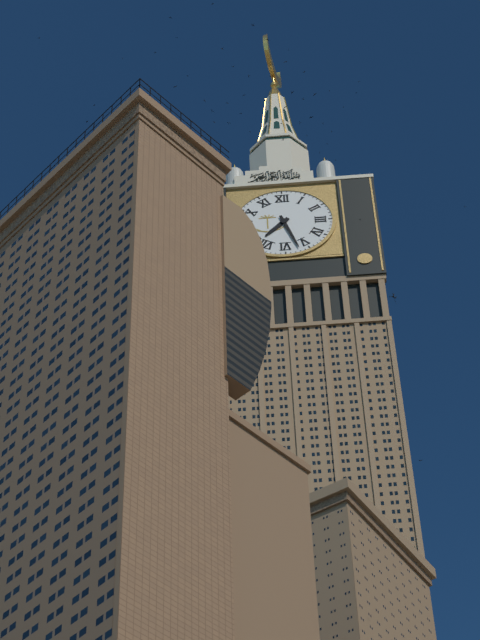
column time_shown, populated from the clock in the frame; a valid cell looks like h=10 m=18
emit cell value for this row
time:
h=7 m=27
